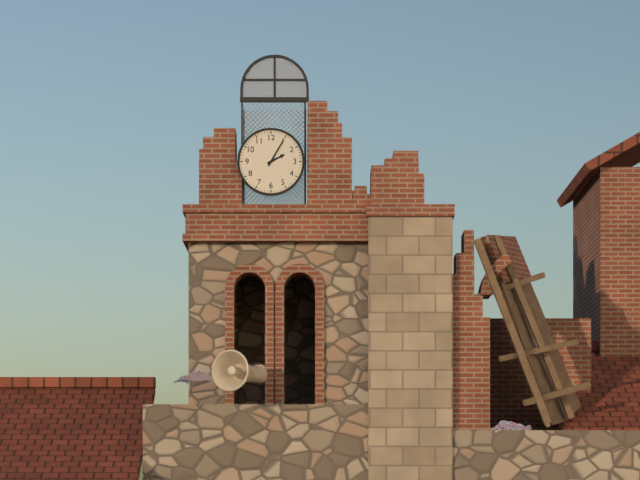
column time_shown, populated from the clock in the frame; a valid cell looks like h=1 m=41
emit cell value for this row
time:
h=2 m=5
